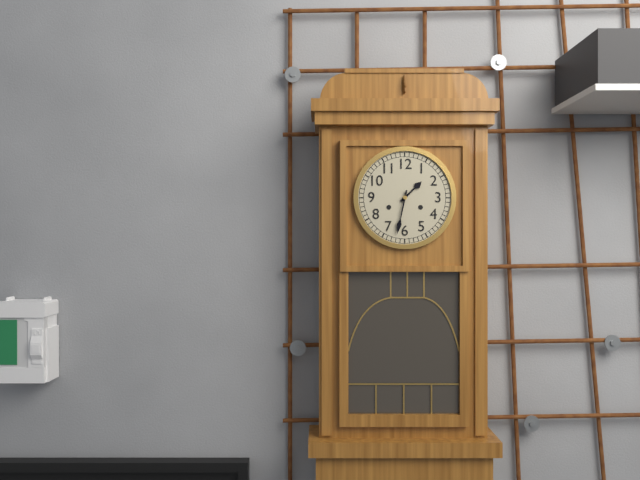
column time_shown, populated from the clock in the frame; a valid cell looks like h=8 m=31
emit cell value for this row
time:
h=1 m=32
